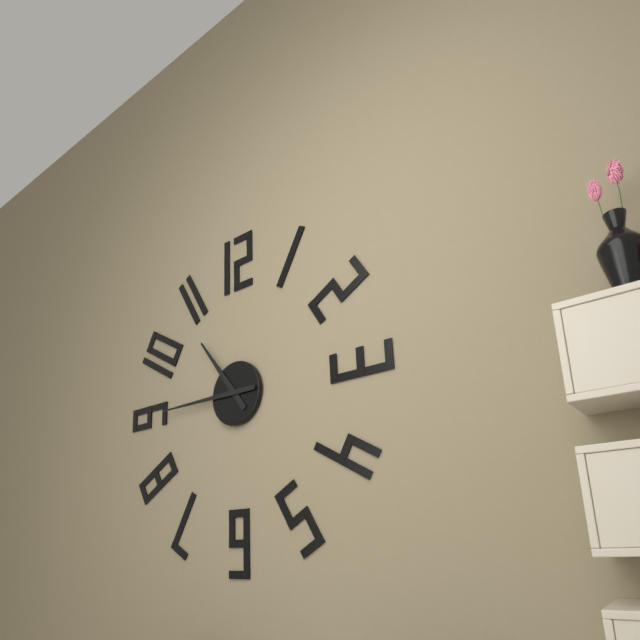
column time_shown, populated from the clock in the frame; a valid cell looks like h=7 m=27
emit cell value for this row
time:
h=10 m=45
